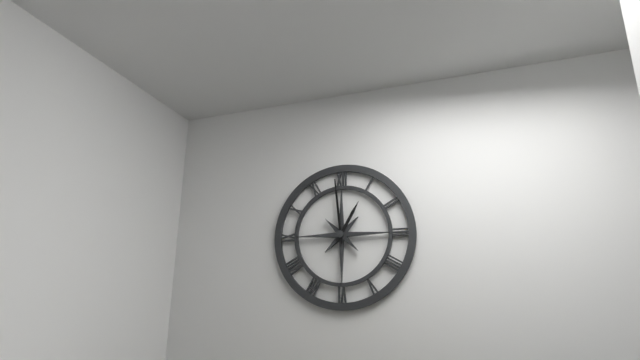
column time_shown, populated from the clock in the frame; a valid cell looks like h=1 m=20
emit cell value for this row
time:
h=12 m=59
